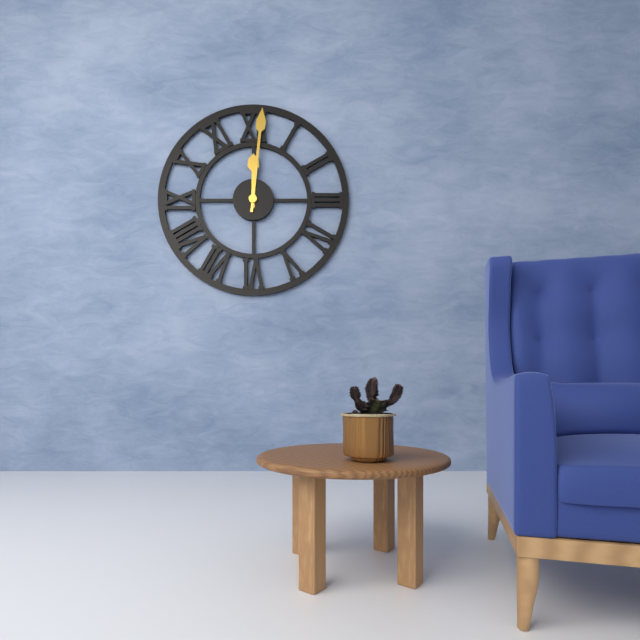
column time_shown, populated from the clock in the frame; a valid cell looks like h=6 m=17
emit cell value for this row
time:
h=12 m=1
